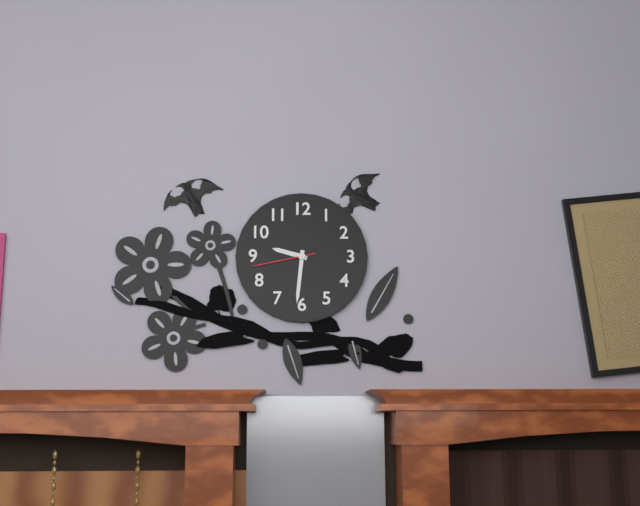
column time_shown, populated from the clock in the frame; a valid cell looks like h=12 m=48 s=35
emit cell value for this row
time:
h=9 m=31 s=43
